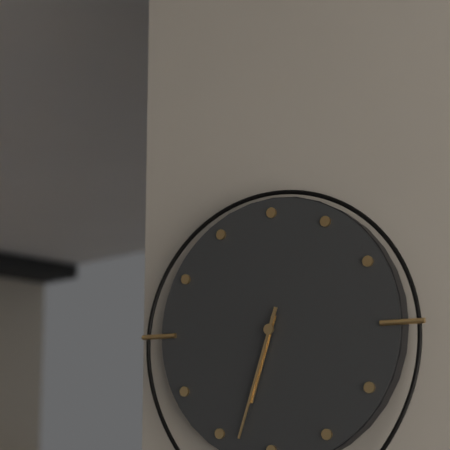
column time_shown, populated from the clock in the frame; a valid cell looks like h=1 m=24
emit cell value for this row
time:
h=6 m=33
